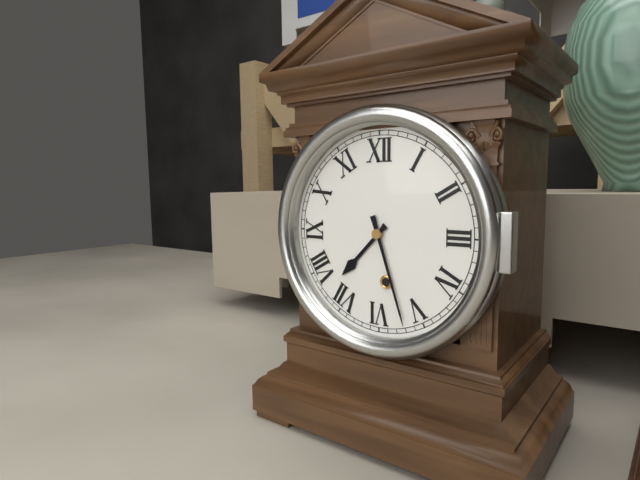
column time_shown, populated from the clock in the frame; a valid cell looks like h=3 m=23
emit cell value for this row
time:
h=7 m=27
